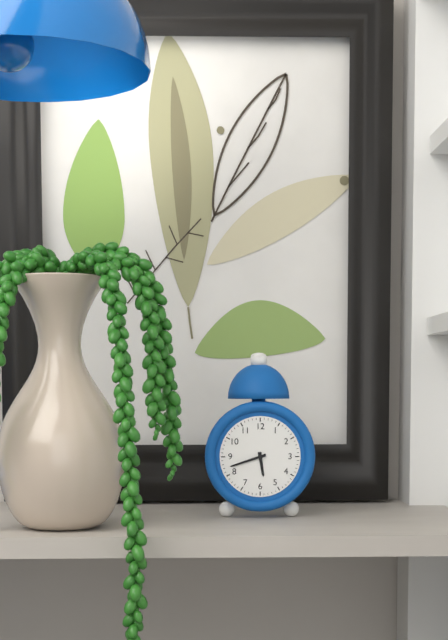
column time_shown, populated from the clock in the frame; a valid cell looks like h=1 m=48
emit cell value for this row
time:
h=5 m=42
